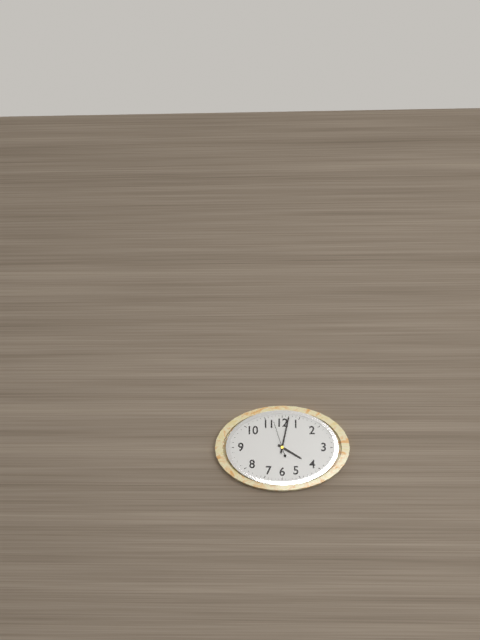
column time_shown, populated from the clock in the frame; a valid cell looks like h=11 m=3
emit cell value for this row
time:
h=4 m=2
